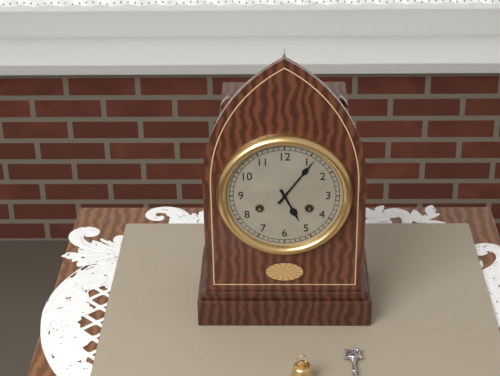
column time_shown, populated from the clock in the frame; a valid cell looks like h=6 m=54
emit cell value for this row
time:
h=5 m=6
